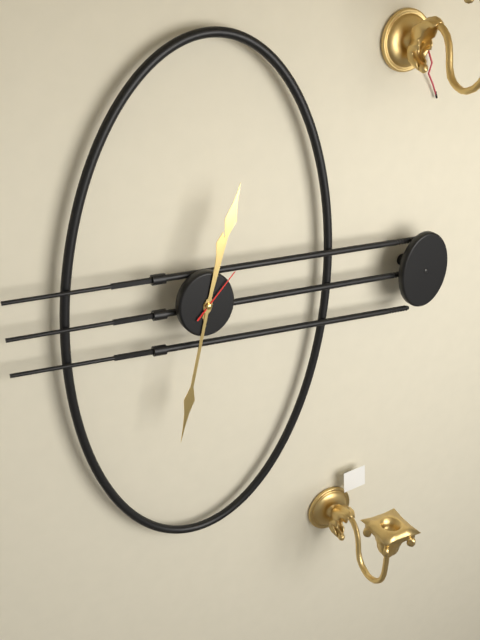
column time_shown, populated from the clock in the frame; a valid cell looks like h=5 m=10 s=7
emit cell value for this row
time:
h=12 m=32 s=7
